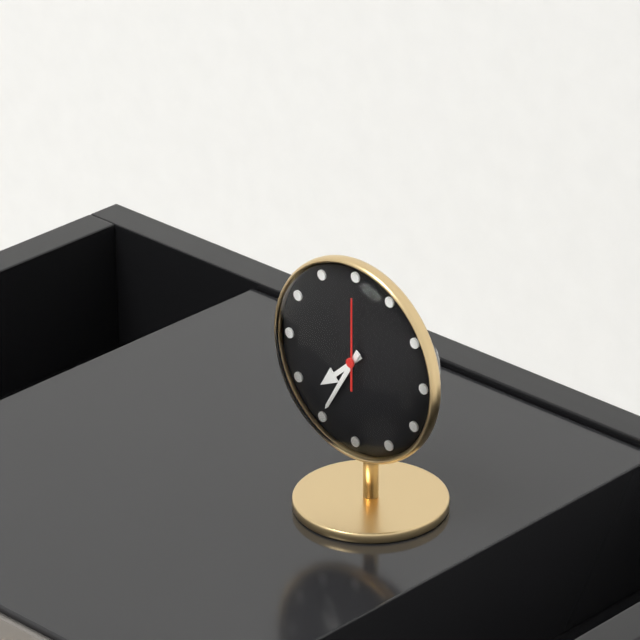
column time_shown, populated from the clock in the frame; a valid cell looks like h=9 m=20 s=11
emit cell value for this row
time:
h=7 m=35 s=0
